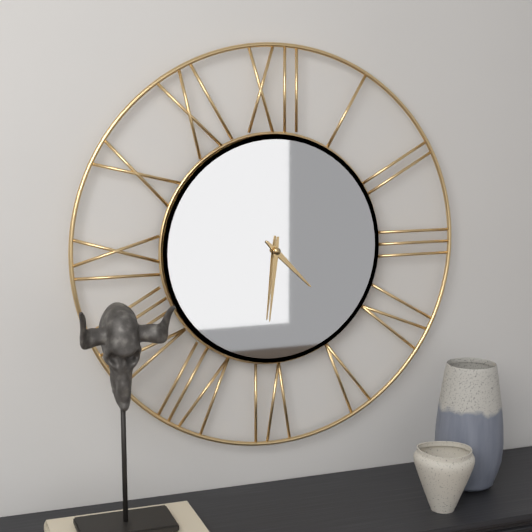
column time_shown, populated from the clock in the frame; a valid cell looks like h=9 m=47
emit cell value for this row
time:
h=4 m=31
